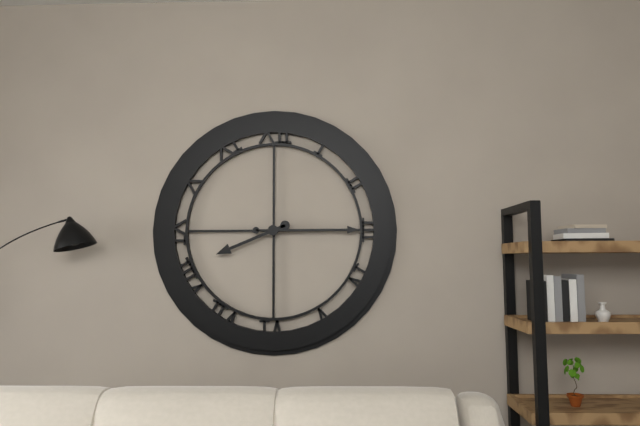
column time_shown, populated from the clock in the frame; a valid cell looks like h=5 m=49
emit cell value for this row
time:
h=8 m=15
